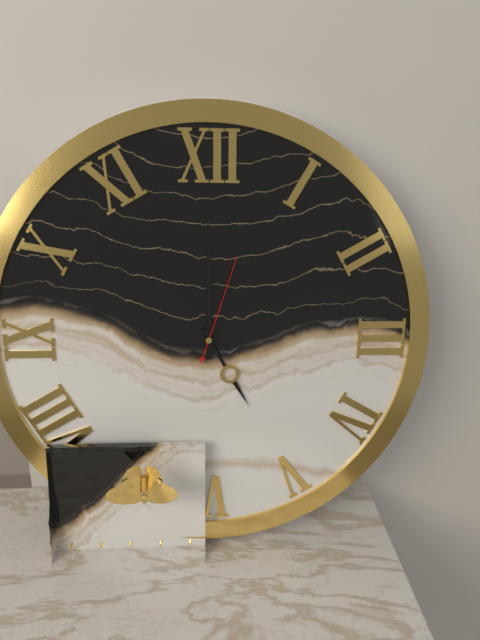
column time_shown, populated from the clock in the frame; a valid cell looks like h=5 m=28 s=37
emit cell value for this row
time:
h=5 m=0 s=3
